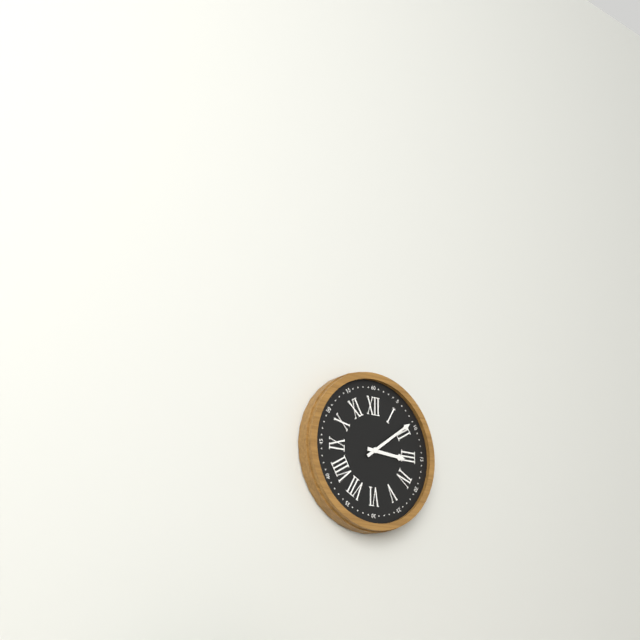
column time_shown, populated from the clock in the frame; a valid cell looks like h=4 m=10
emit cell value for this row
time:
h=3 m=9
